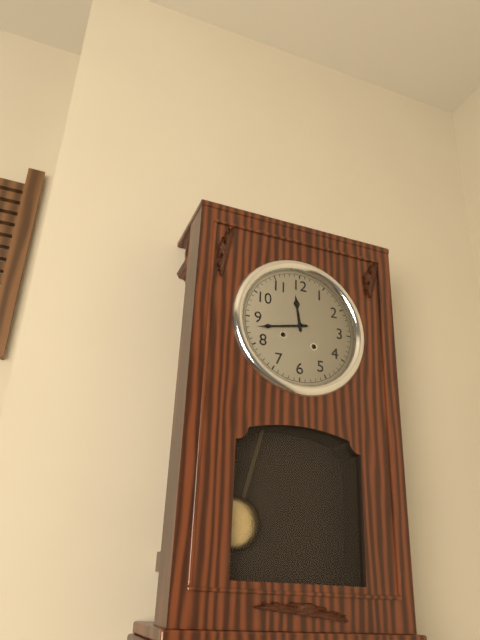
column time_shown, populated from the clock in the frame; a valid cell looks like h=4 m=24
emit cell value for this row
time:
h=11 m=43
